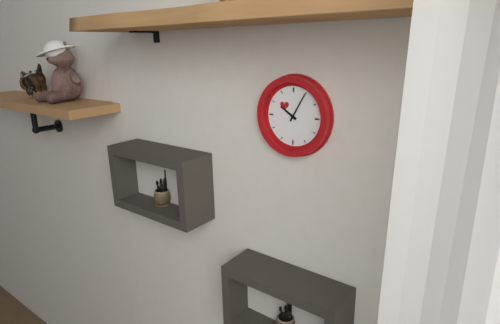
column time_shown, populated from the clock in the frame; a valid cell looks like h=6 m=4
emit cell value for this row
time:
h=10 m=5
